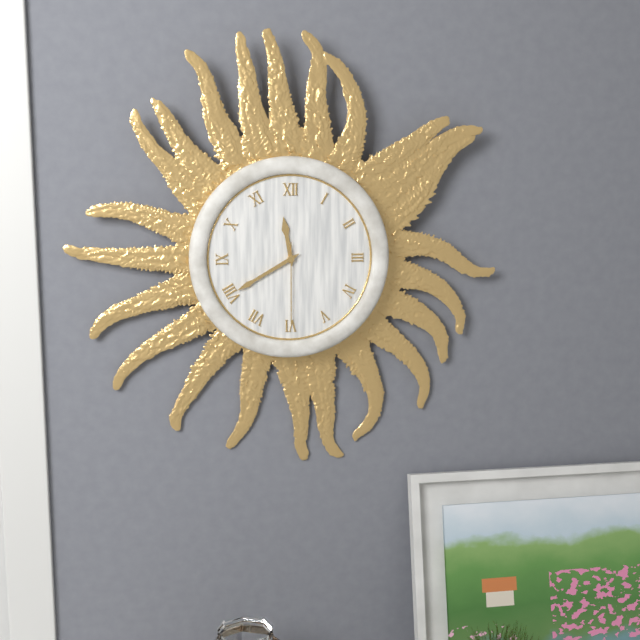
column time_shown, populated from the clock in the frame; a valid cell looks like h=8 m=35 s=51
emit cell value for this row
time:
h=11 m=40 s=30
